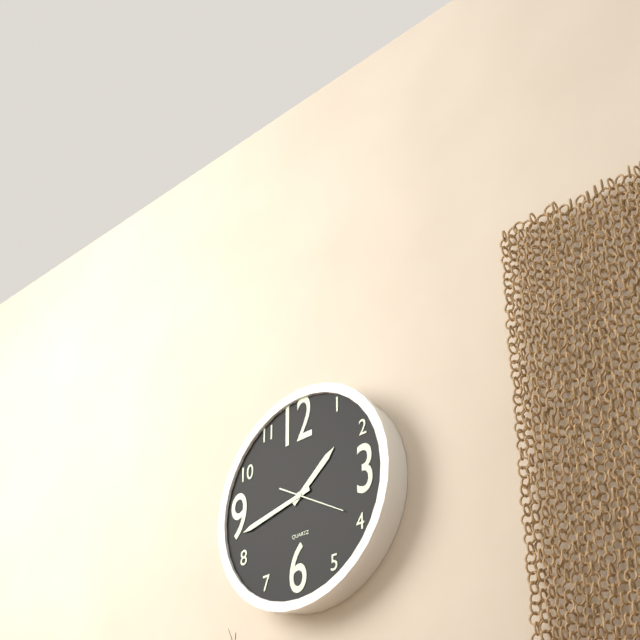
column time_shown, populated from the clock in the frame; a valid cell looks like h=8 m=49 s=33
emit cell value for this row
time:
h=1 m=43 s=20
